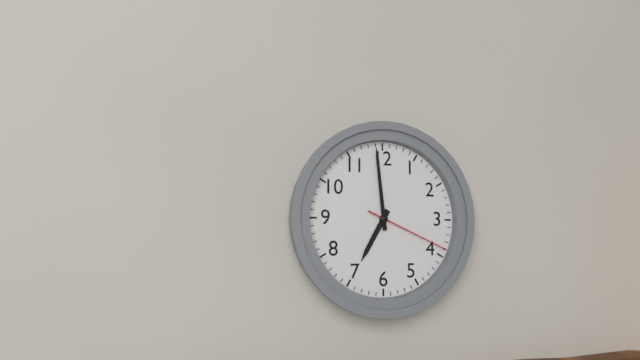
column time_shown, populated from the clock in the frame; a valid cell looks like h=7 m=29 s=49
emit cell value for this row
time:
h=6 m=59 s=19
